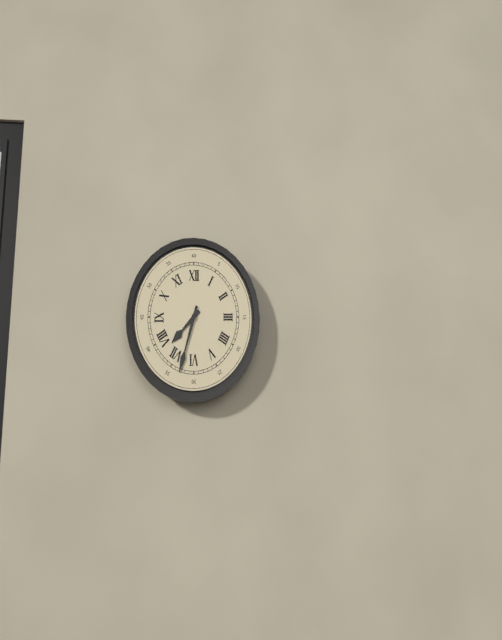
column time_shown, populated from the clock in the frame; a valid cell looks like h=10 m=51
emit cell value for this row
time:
h=7 m=33
